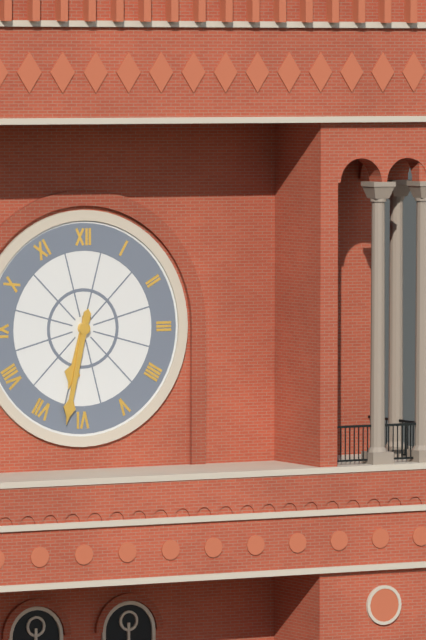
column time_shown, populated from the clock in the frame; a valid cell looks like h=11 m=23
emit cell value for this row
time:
h=6 m=32
